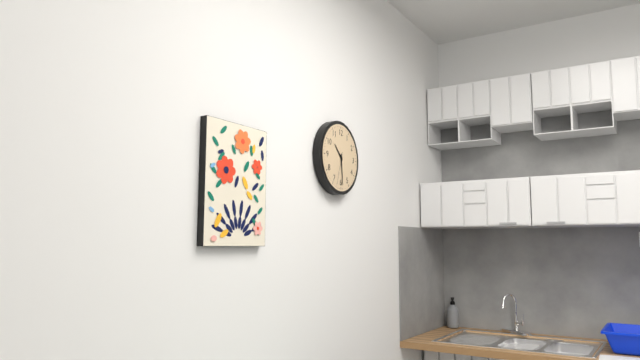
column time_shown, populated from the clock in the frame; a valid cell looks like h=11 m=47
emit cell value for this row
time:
h=10 m=29
